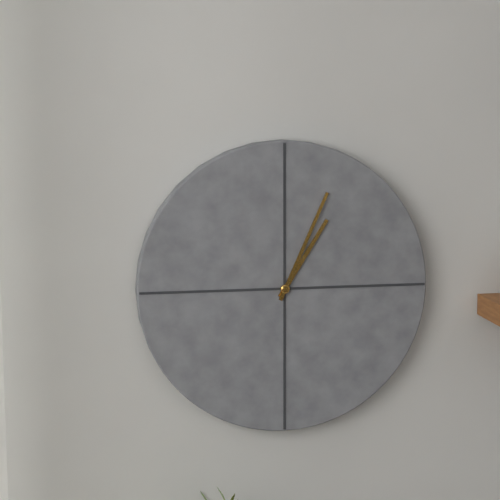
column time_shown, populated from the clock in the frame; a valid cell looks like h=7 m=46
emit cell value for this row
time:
h=1 m=4
